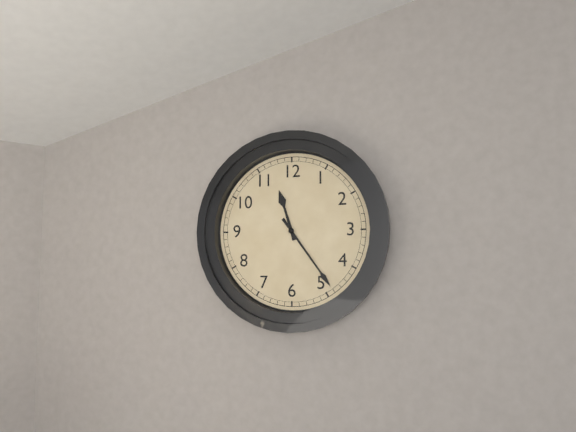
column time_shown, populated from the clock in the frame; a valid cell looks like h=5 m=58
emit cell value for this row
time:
h=11 m=24
